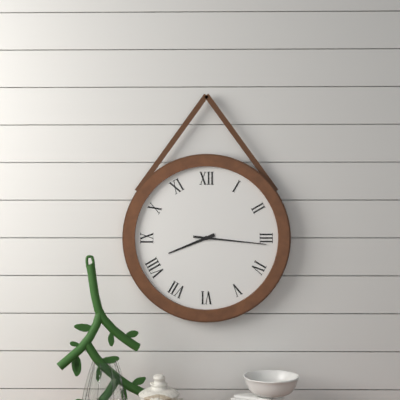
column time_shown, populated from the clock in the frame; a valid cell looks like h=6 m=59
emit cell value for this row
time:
h=8 m=16
